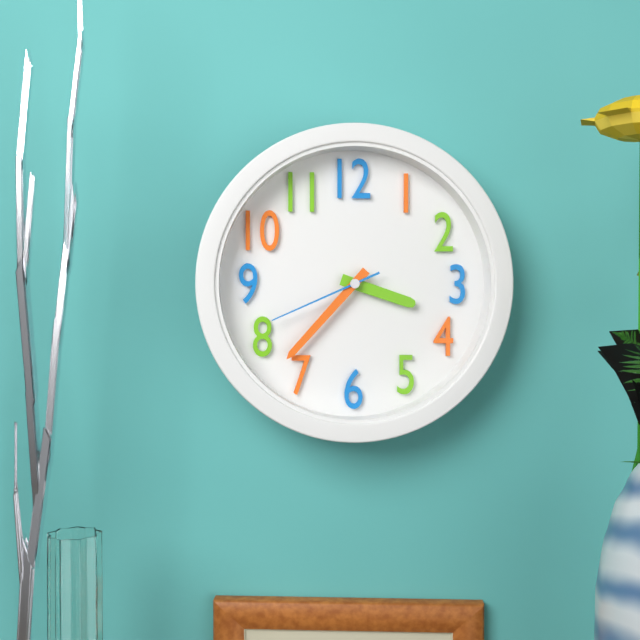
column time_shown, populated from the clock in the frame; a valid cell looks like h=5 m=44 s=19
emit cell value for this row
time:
h=3 m=37 s=41
